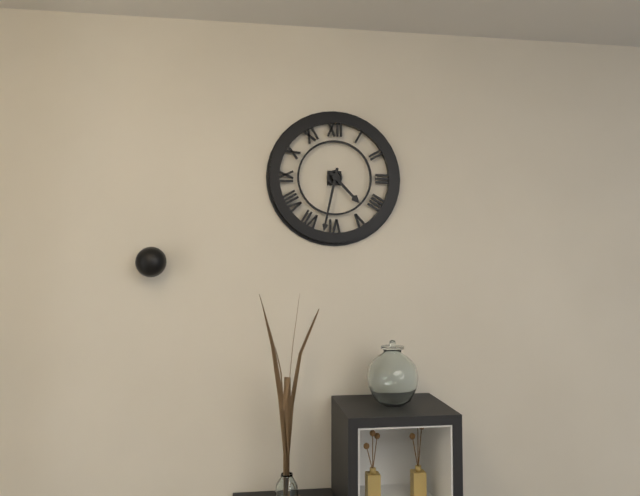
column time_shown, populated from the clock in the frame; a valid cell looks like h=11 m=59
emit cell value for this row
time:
h=4 m=32
